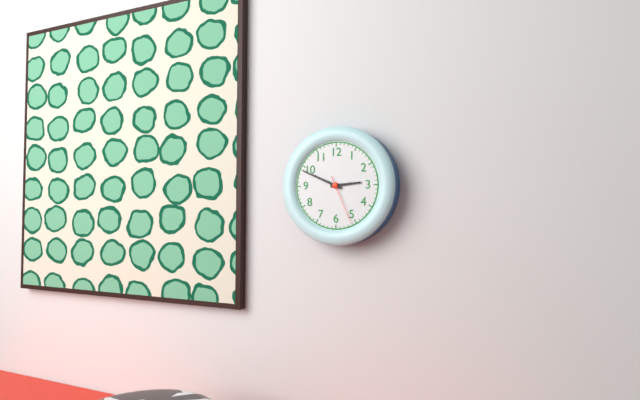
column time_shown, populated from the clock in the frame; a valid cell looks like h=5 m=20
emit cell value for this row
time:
h=2 m=49
